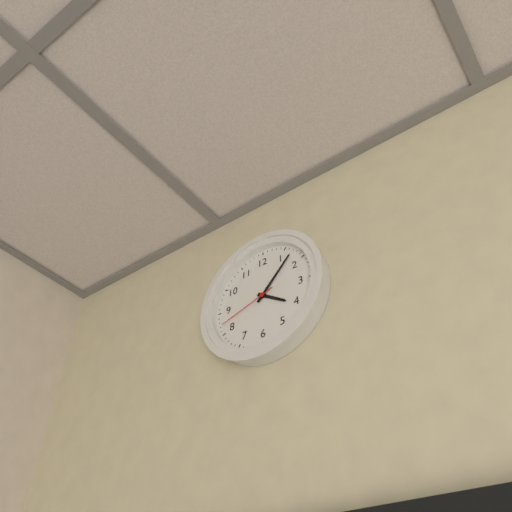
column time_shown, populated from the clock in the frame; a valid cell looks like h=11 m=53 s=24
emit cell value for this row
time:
h=4 m=7 s=42
